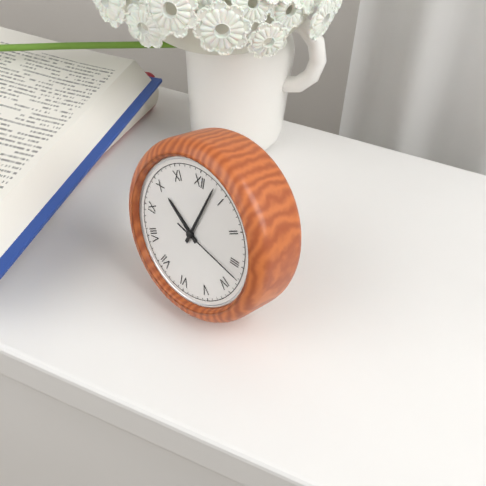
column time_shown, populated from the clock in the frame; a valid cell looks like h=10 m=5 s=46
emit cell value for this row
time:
h=10 m=3 s=17
